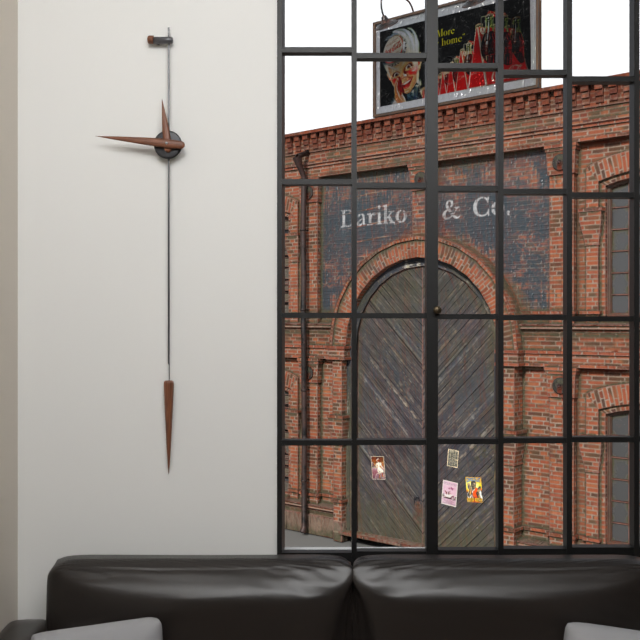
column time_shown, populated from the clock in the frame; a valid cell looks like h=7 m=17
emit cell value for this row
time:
h=11 m=46
